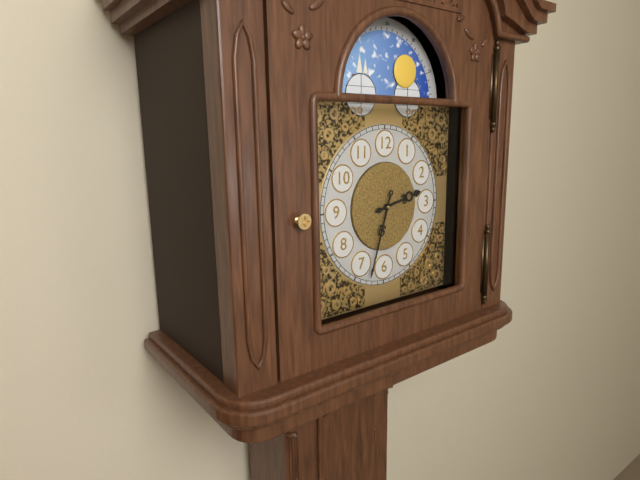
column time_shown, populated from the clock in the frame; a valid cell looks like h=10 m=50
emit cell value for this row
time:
h=2 m=33
